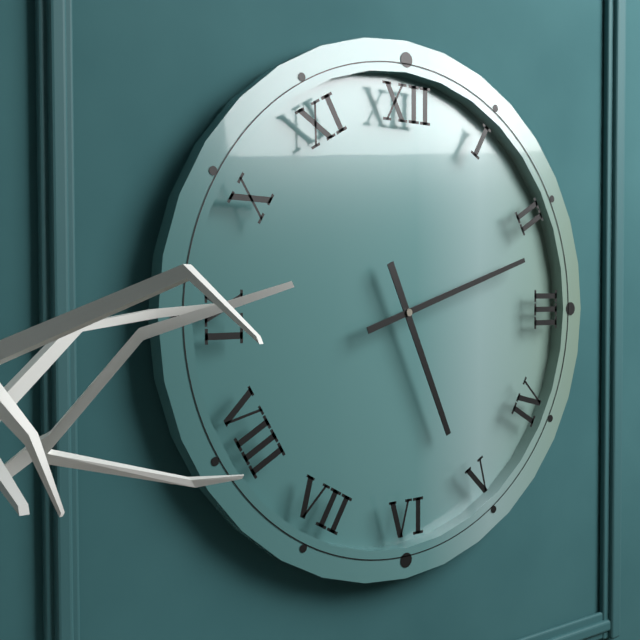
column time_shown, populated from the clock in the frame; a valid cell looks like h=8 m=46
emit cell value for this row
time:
h=5 m=12
